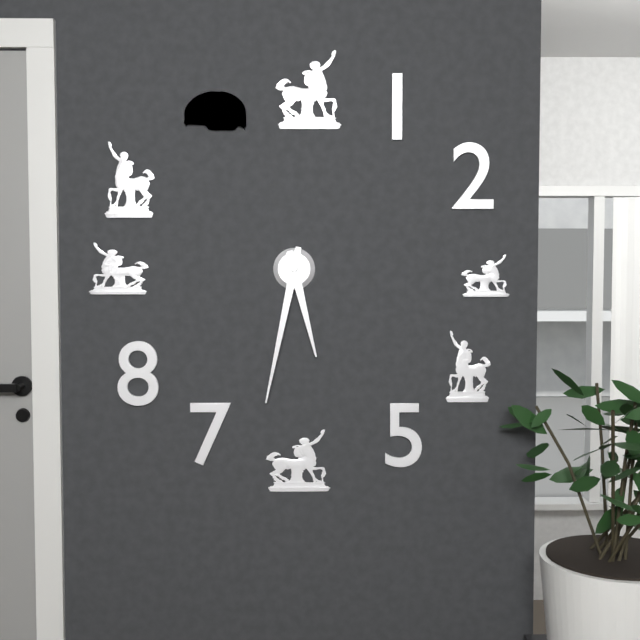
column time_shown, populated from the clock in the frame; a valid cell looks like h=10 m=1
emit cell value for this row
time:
h=5 m=32
